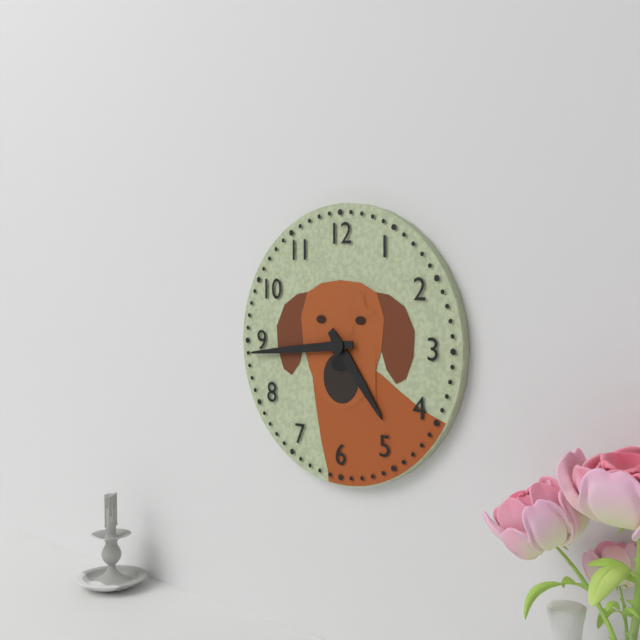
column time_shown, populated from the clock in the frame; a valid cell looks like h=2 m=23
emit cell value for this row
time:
h=4 m=44
